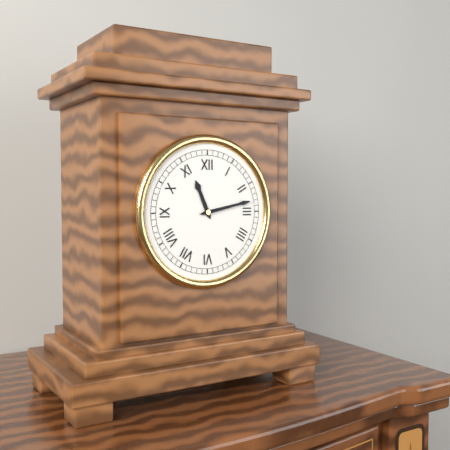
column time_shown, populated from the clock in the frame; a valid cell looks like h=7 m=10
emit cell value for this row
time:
h=11 m=13
